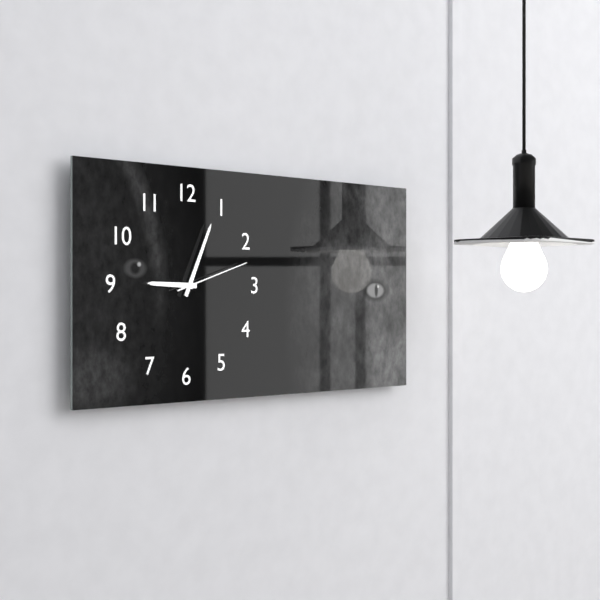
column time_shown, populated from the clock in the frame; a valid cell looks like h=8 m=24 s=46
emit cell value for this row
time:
h=9 m=4 s=12
